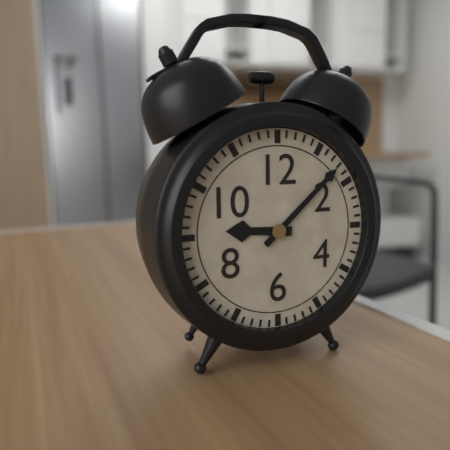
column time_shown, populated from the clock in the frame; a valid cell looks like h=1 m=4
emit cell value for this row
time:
h=9 m=8
